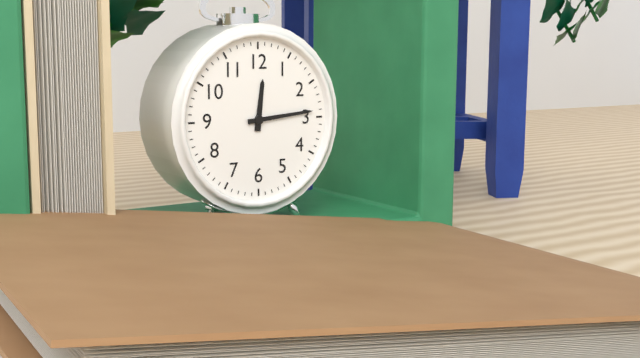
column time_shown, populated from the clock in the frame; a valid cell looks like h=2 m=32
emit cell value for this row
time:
h=12 m=14
